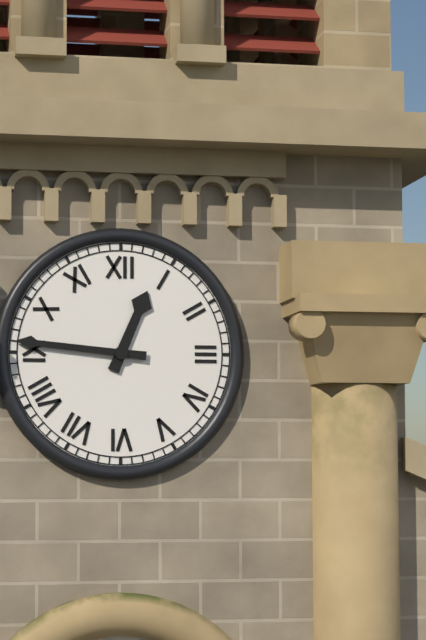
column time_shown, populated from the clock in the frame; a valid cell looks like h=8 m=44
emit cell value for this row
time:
h=12 m=46
